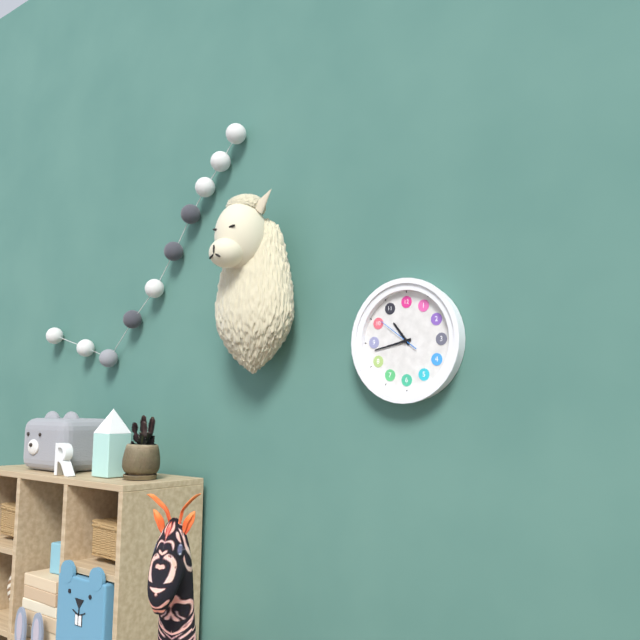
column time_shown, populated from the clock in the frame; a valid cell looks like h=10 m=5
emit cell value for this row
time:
h=10 m=43
